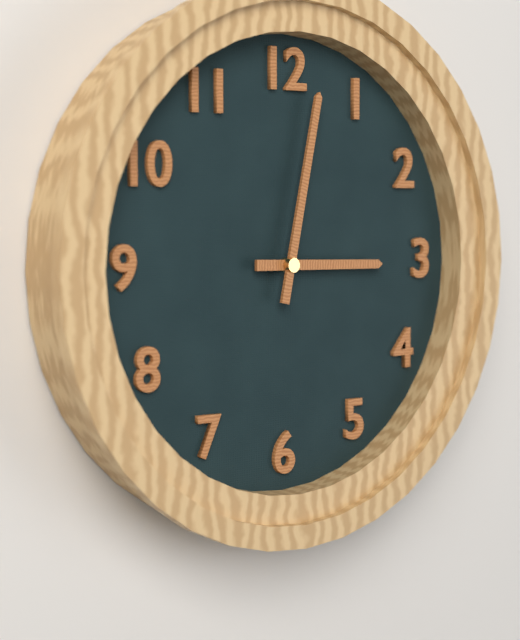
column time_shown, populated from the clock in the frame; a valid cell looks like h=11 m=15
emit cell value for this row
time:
h=3 m=2
